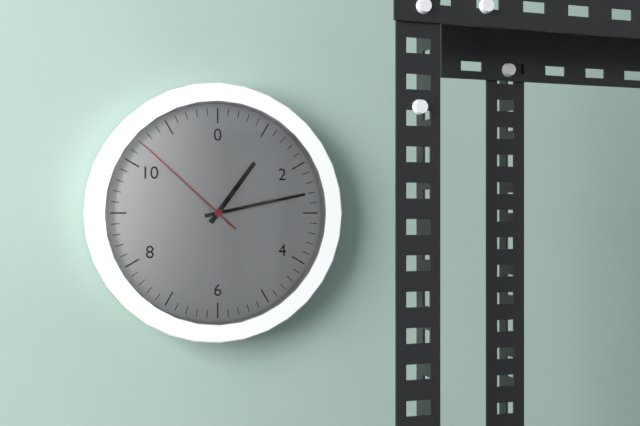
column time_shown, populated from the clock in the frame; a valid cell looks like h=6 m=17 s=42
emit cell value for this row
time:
h=1 m=13 s=52
